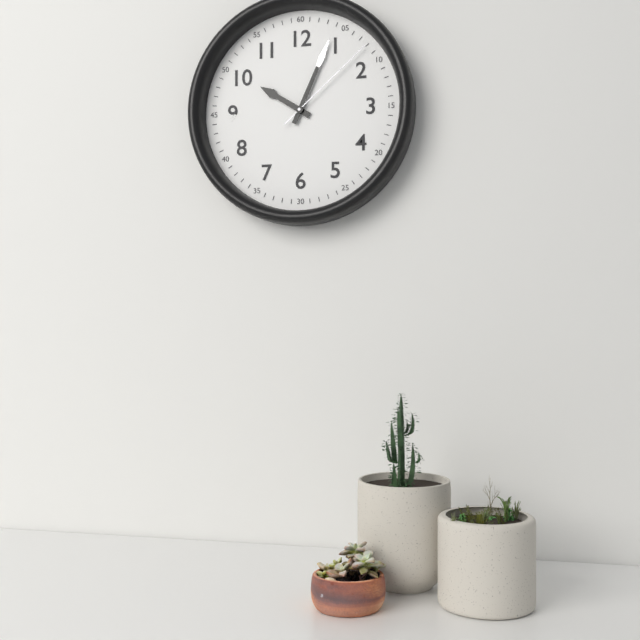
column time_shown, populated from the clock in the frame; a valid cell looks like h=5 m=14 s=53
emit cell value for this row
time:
h=10 m=4 s=8
